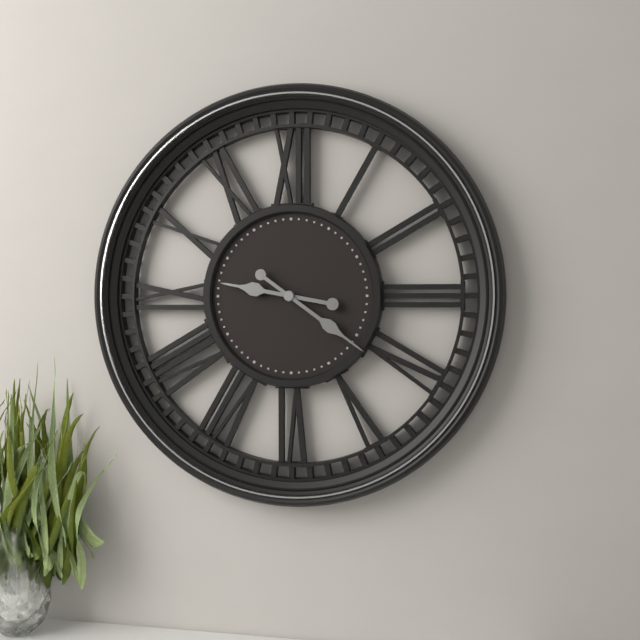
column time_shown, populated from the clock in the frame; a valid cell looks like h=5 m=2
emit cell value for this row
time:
h=9 m=21
